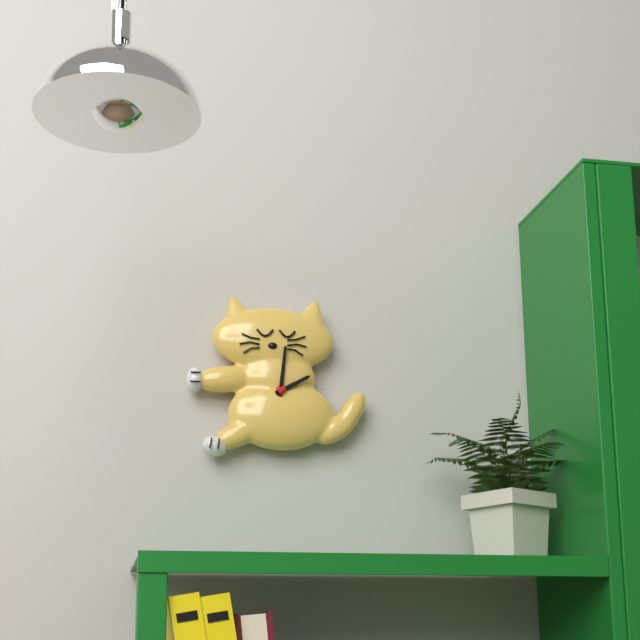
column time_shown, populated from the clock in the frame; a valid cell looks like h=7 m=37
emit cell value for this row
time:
h=2 m=1
